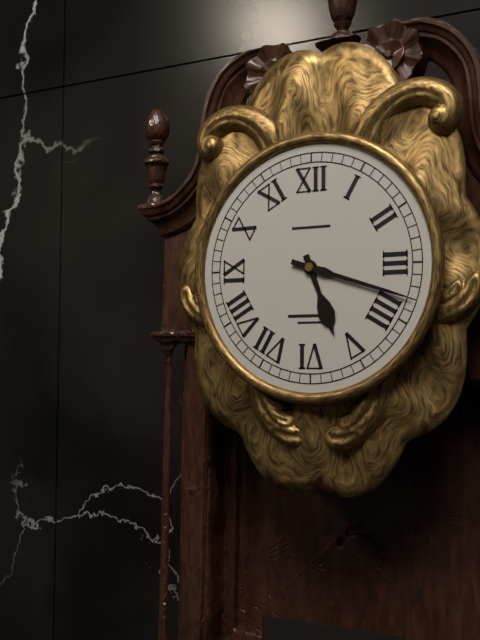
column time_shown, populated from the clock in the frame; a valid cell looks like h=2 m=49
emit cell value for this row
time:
h=5 m=18
